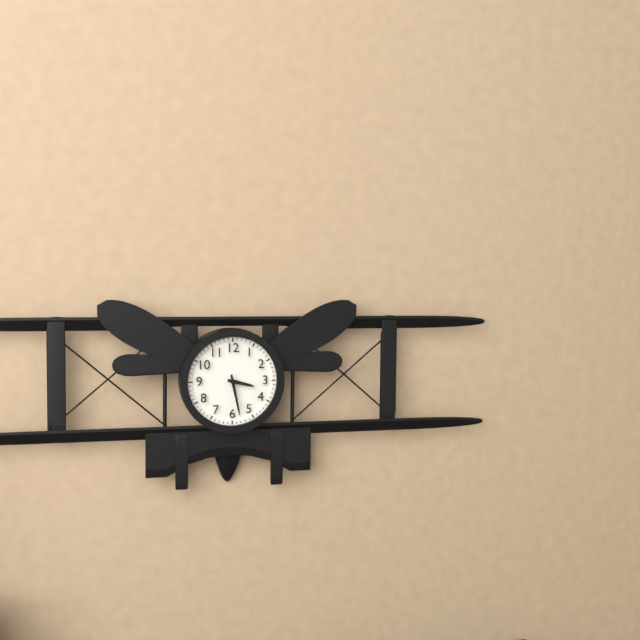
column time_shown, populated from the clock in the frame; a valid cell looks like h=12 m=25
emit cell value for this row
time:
h=3 m=28
